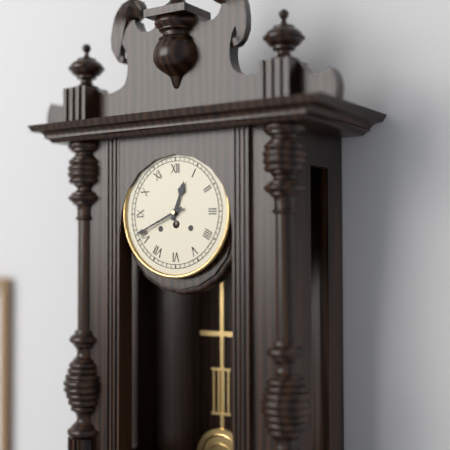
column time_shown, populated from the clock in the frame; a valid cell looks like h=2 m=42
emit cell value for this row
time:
h=12 m=41
